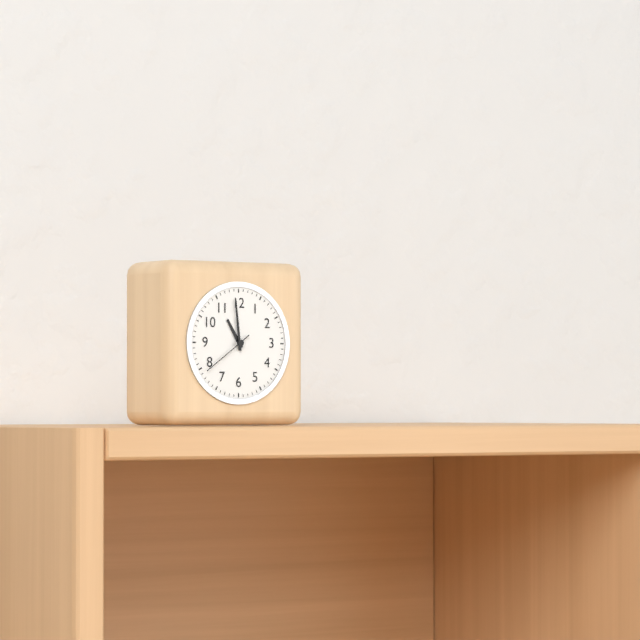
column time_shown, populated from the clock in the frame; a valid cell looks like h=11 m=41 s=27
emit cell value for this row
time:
h=10 m=59 s=39
